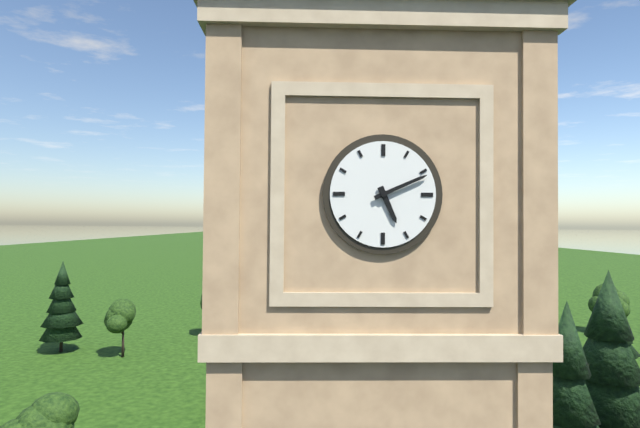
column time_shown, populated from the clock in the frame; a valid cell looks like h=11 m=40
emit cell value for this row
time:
h=5 m=11
